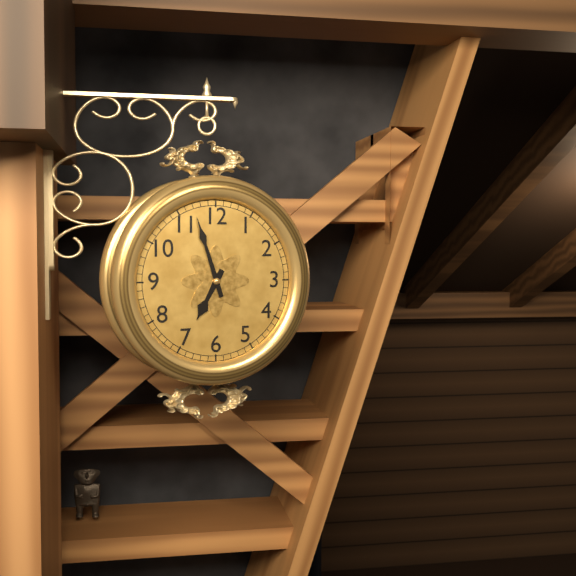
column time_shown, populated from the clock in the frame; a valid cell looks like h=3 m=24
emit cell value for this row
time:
h=6 m=57
